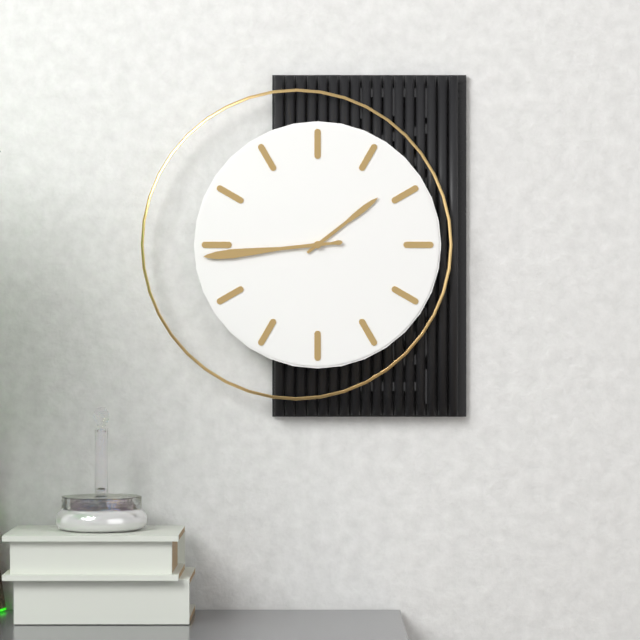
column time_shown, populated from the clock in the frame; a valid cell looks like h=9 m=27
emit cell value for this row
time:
h=1 m=44
